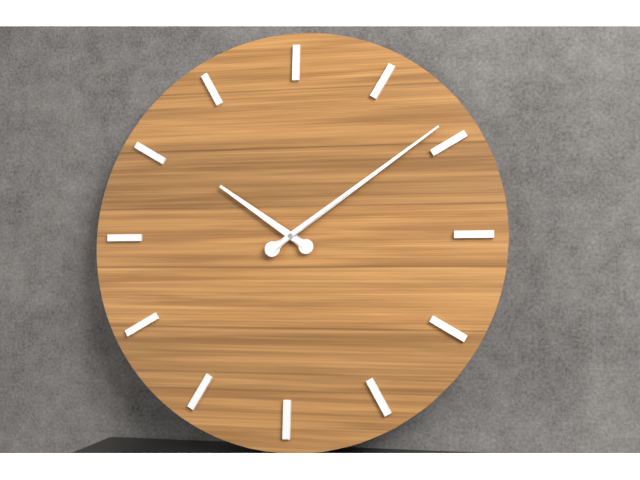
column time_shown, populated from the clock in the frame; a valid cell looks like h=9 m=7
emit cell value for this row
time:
h=10 m=9
